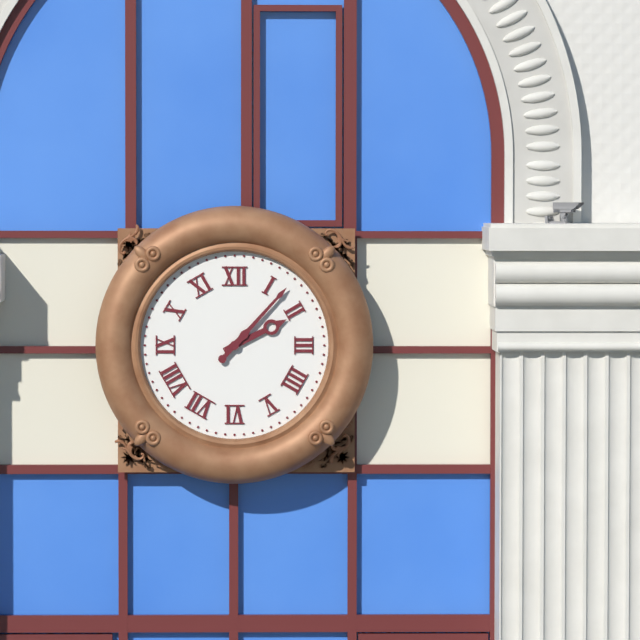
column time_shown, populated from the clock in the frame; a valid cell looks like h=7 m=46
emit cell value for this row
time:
h=2 m=7
